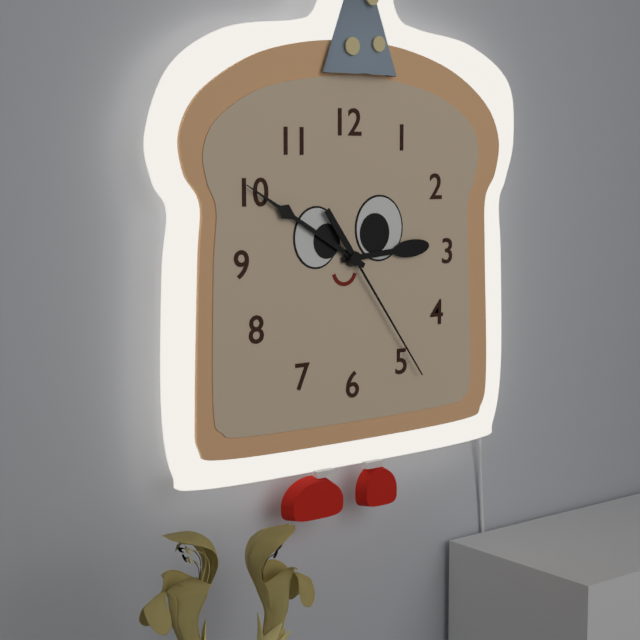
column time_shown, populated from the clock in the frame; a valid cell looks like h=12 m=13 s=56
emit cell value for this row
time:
h=2 m=50 s=24
